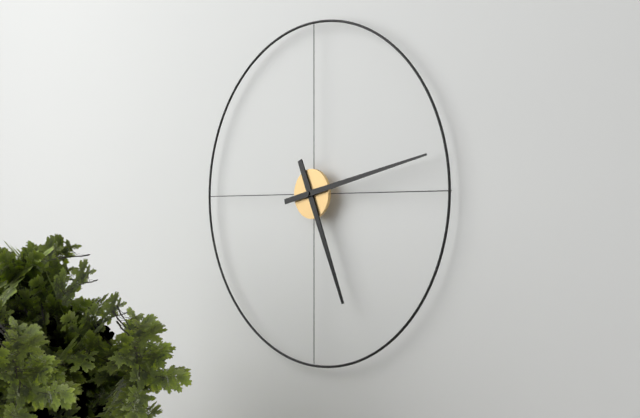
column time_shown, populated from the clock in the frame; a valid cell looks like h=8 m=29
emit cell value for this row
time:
h=5 m=13
